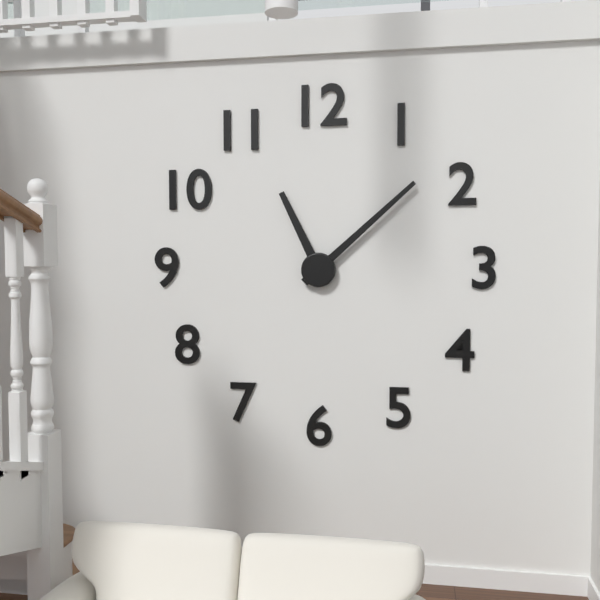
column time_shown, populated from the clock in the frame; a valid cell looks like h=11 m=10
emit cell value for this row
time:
h=11 m=8
